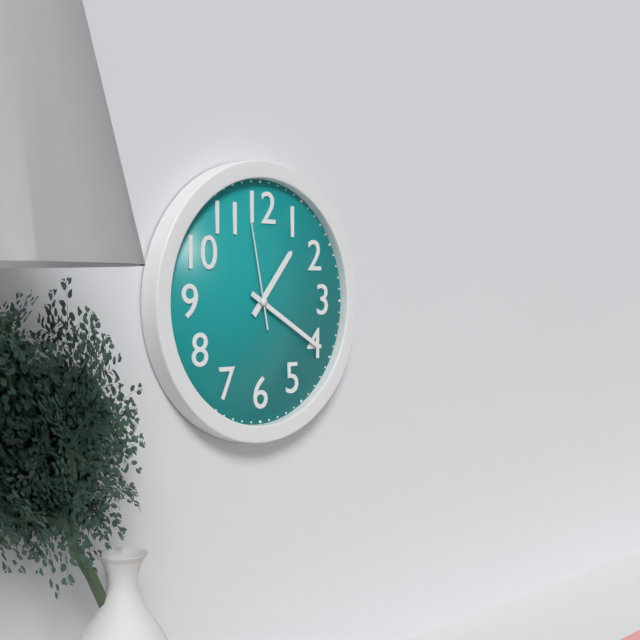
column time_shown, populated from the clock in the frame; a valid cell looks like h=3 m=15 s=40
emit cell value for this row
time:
h=1 m=20 s=58
